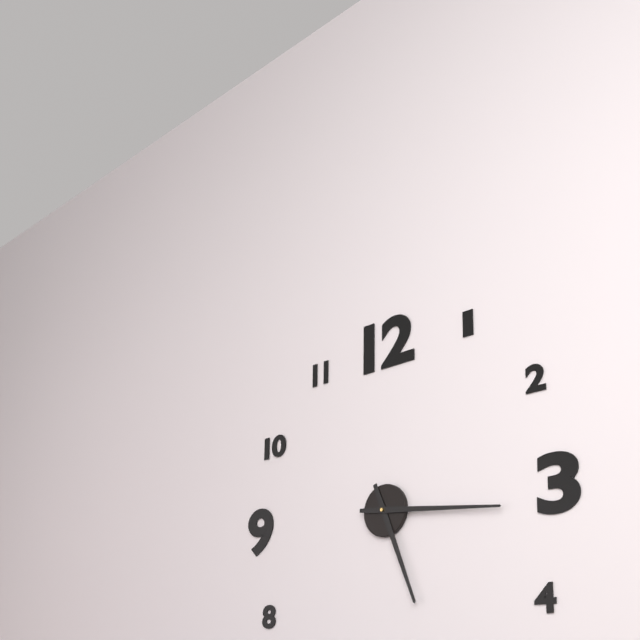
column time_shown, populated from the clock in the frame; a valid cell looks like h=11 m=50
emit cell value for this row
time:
h=5 m=16
